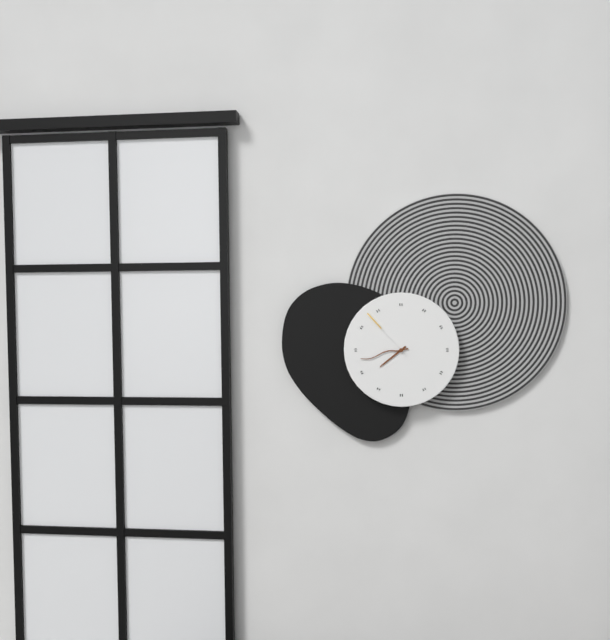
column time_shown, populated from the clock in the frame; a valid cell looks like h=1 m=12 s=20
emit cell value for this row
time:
h=7 m=43 s=53
